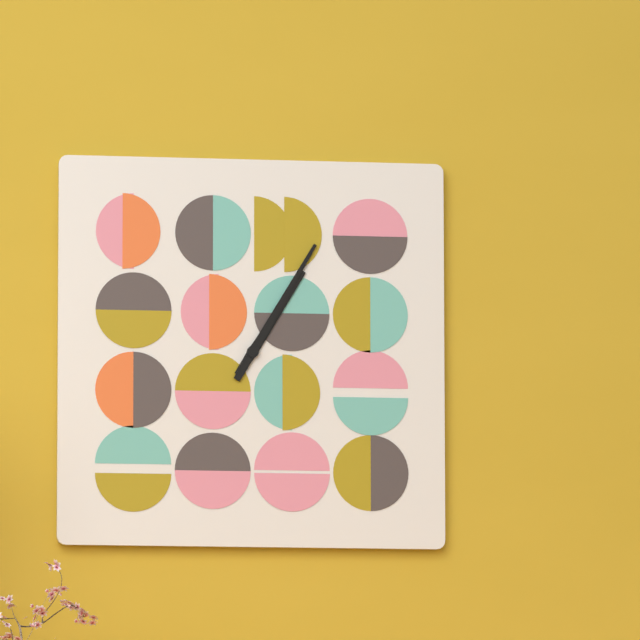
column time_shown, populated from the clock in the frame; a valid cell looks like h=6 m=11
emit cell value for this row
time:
h=1 m=5
